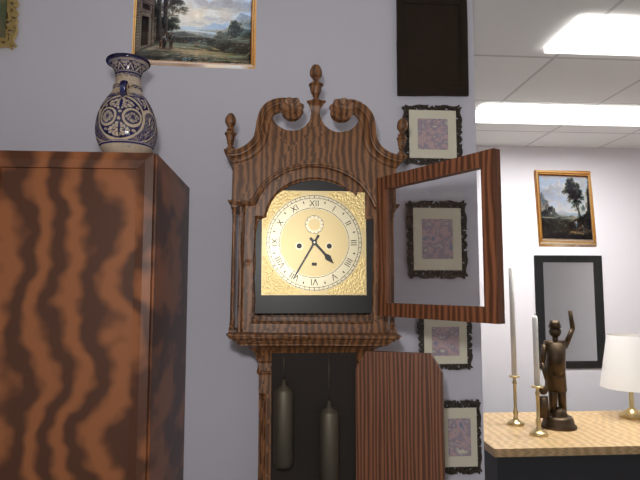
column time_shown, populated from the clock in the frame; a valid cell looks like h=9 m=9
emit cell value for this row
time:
h=4 m=35
